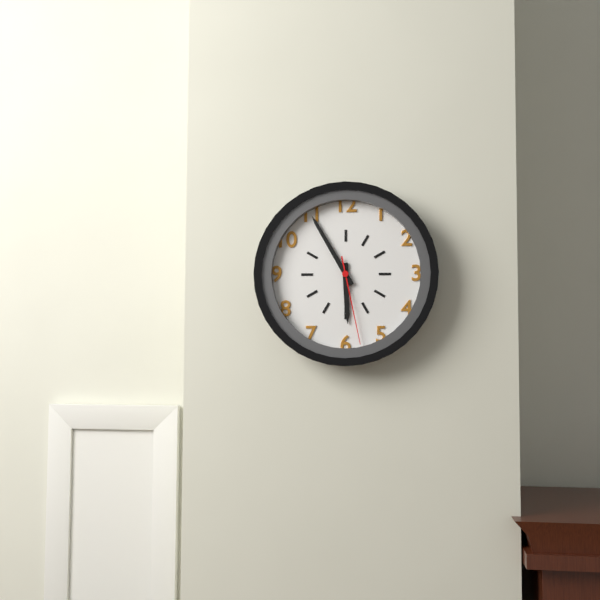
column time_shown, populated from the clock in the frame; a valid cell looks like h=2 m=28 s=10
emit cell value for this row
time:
h=5 m=55 s=28
